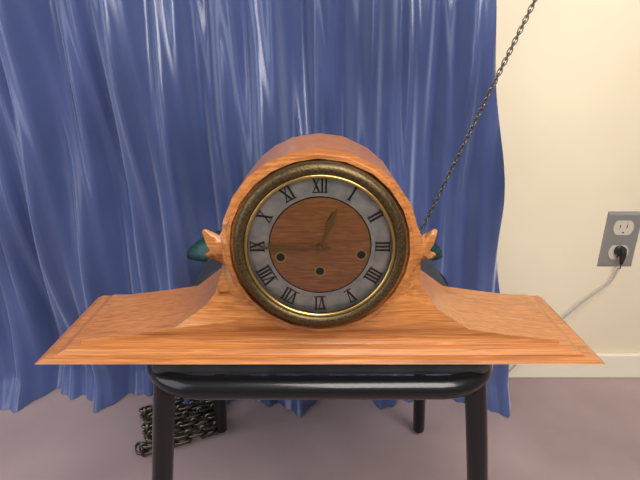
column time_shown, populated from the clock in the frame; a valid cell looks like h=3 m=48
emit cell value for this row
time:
h=12 m=45
